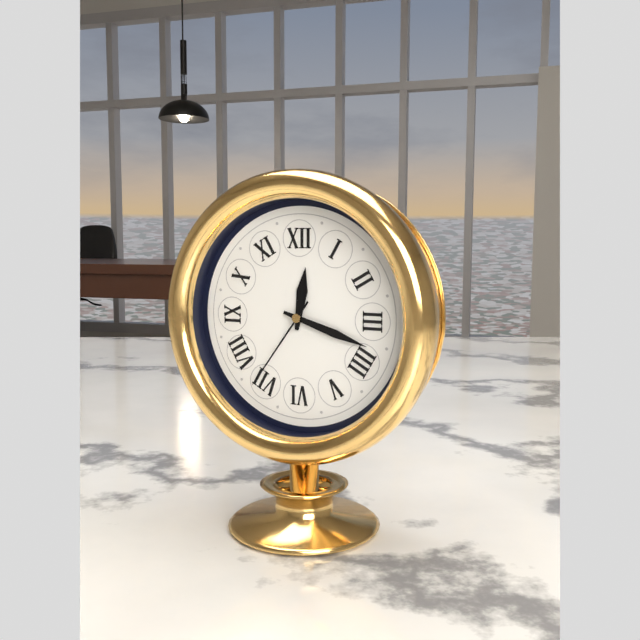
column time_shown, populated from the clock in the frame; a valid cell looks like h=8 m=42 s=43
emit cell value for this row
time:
h=12 m=18 s=36
